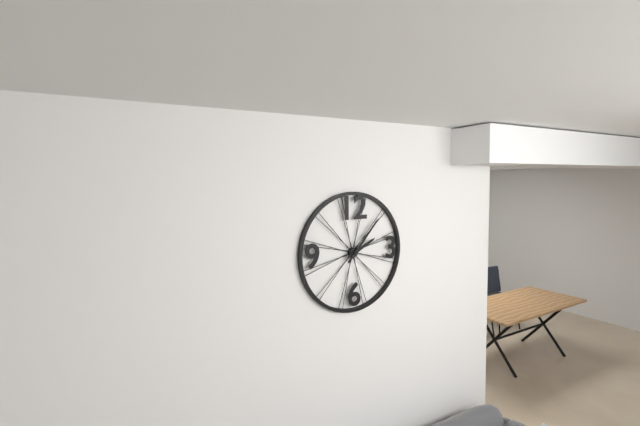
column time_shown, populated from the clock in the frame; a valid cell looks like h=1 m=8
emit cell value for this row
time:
h=2 m=7
